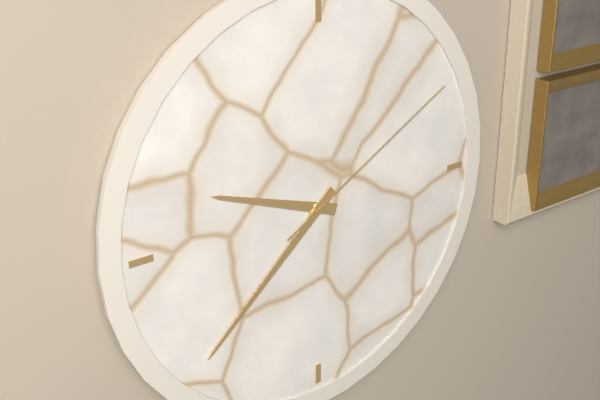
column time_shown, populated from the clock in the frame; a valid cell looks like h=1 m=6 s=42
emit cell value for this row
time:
h=9 m=38 s=10
